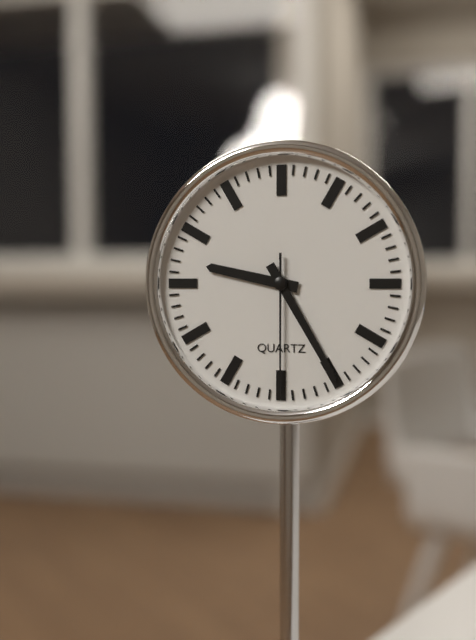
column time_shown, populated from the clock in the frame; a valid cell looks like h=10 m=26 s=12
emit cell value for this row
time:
h=9 m=25 s=30
